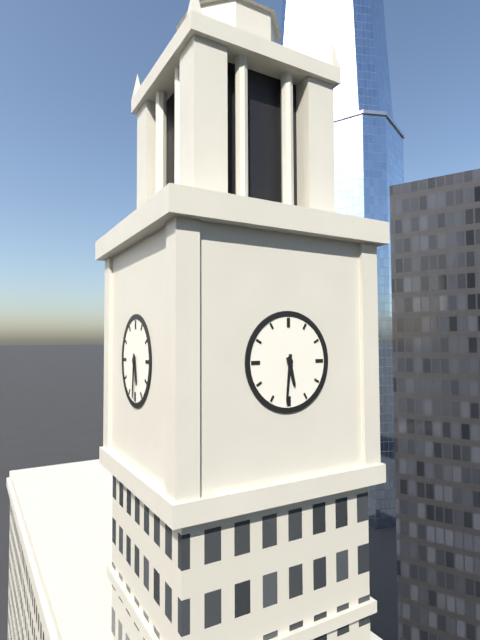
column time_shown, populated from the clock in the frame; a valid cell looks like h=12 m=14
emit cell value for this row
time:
h=5 m=31
